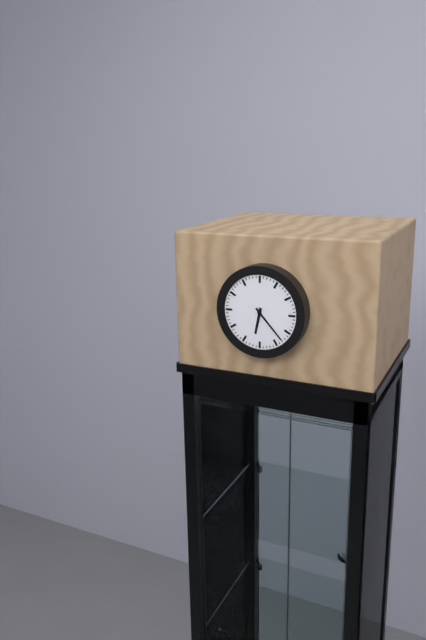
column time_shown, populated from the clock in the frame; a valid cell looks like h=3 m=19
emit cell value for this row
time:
h=6 m=23
